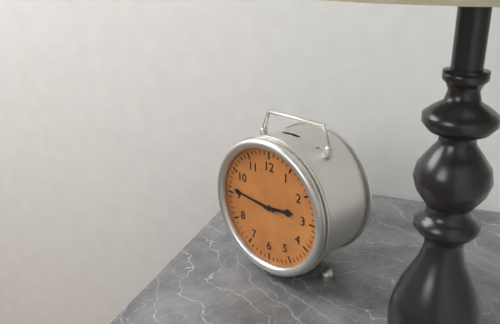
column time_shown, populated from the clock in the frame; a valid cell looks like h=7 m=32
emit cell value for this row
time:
h=2 m=46
